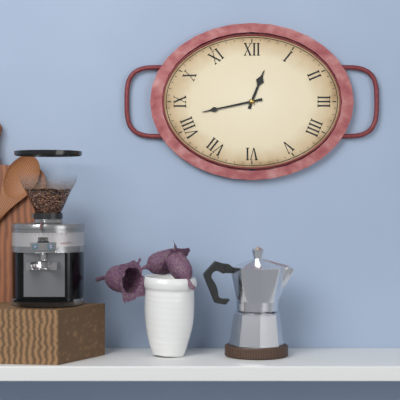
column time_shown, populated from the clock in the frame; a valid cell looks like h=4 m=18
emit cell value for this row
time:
h=12 m=43
